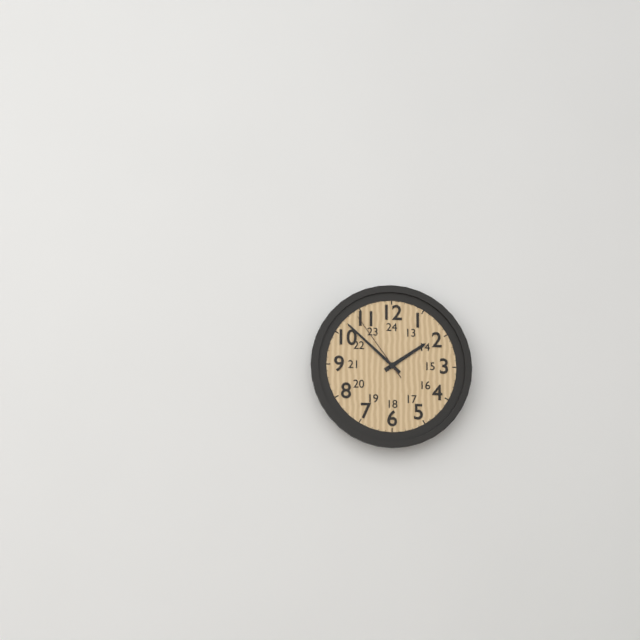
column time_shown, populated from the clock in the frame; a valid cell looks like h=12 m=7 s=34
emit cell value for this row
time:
h=1 m=52 s=54
